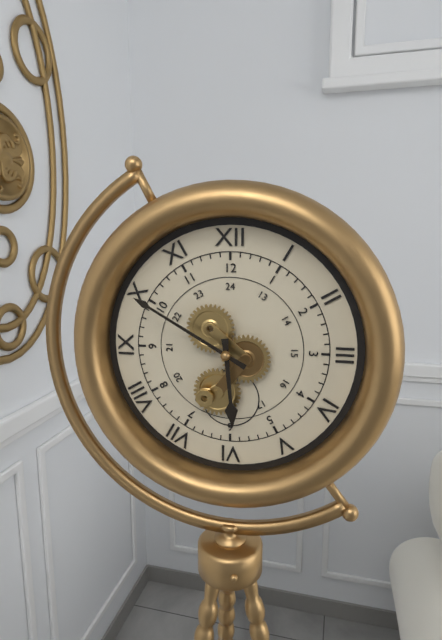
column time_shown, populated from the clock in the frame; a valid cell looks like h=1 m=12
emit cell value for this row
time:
h=5 m=50
